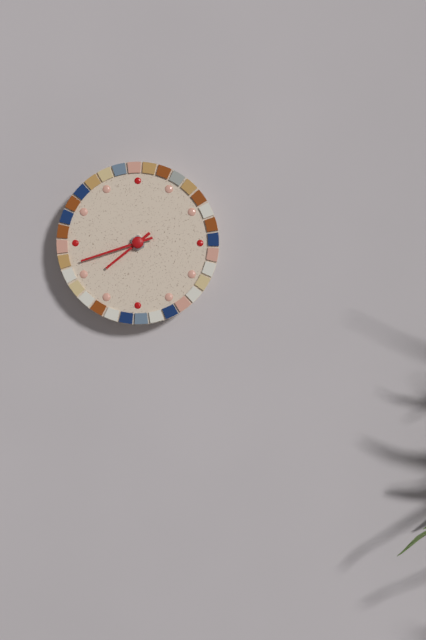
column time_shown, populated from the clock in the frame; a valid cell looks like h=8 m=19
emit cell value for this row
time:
h=7 m=42
